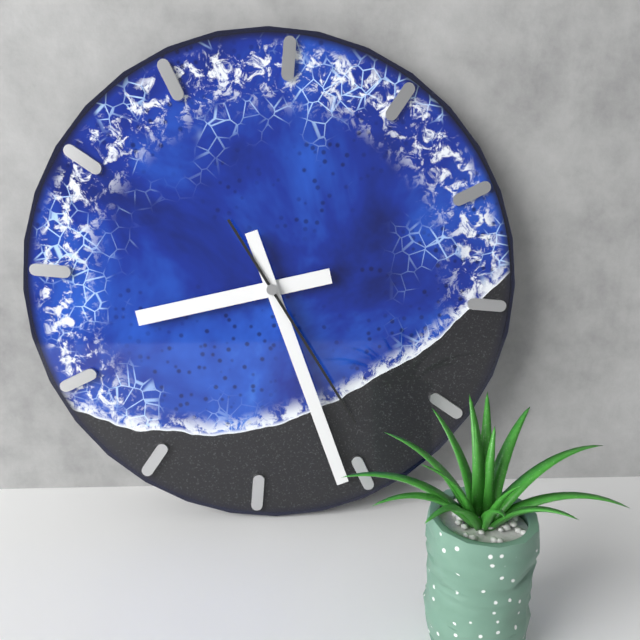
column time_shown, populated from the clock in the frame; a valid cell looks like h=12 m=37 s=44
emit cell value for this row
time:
h=8 m=26 s=24
